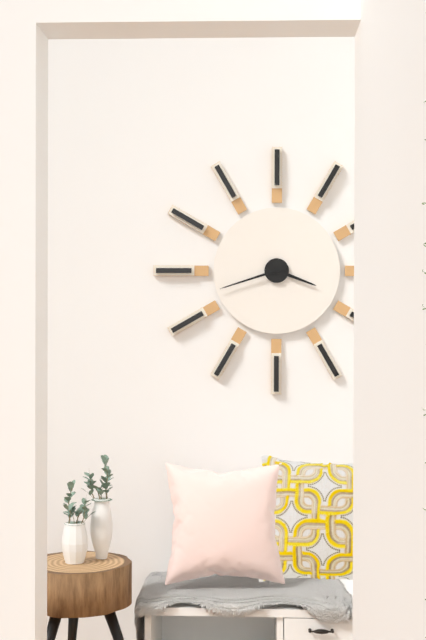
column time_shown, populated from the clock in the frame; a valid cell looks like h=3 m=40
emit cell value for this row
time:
h=3 m=42
